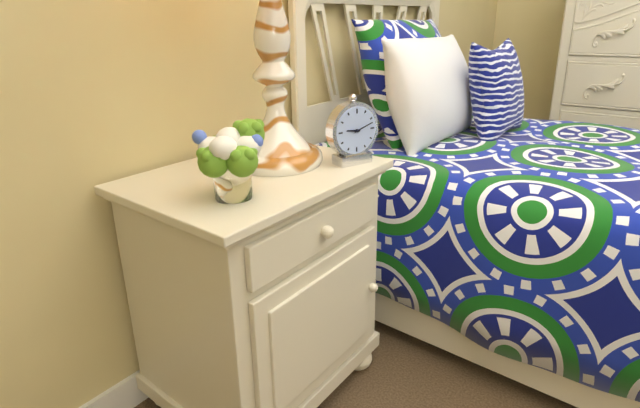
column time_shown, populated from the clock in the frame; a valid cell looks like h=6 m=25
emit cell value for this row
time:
h=9 m=12
